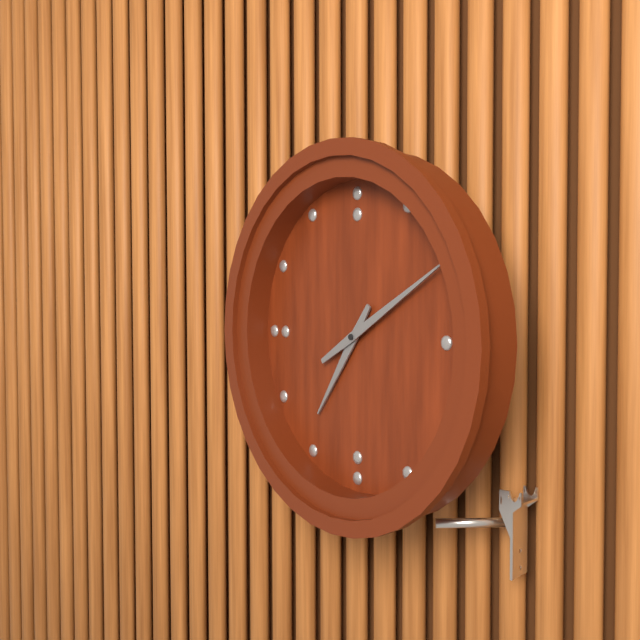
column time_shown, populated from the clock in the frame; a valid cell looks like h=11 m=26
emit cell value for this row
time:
h=7 m=10
